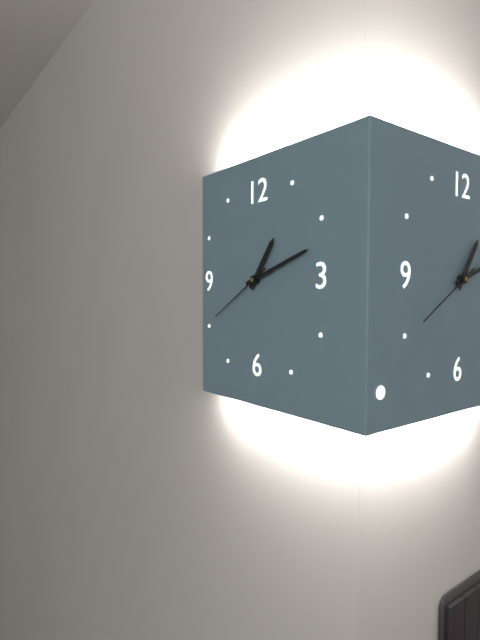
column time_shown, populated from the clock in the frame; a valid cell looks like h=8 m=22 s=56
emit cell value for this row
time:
h=1 m=12 s=40
